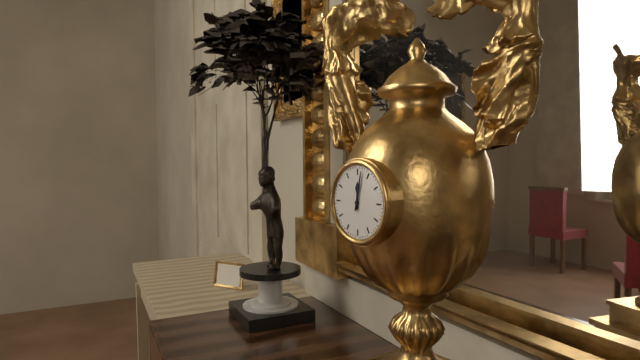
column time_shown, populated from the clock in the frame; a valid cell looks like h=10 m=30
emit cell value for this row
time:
h=12 m=2
